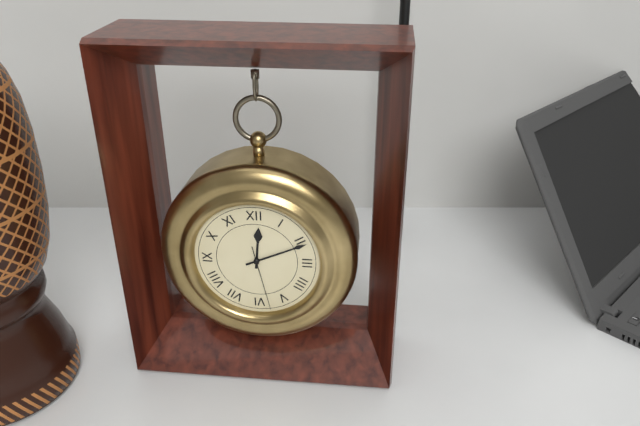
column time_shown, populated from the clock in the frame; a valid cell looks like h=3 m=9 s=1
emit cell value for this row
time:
h=12 m=11 s=28
